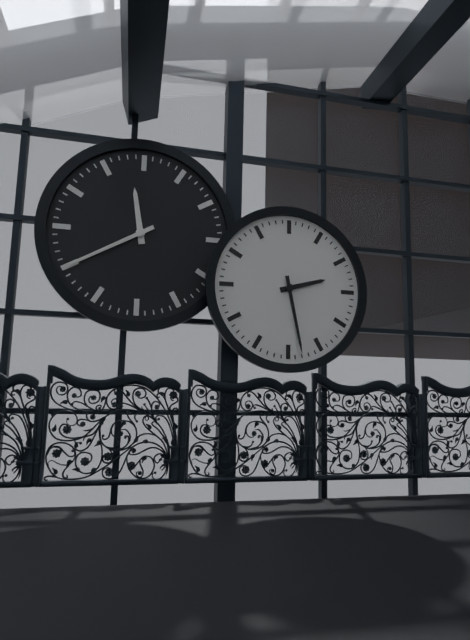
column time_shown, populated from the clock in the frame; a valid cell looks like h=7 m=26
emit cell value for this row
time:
h=2 m=28
